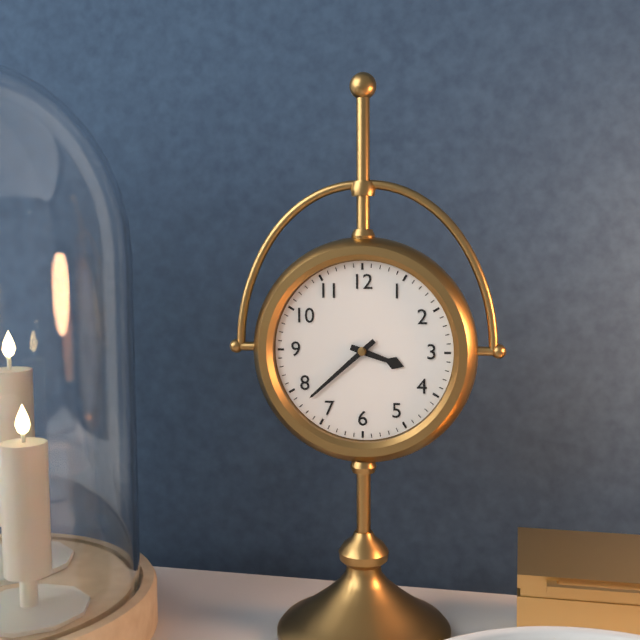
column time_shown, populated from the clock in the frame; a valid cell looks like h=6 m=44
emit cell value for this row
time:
h=3 m=38
